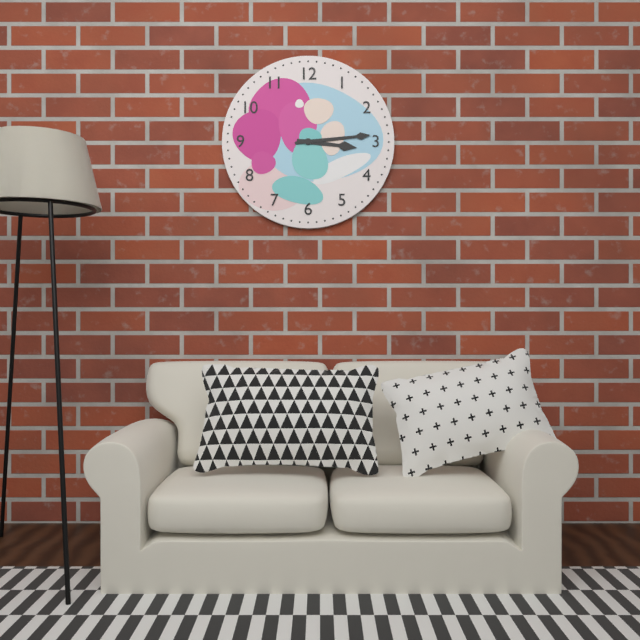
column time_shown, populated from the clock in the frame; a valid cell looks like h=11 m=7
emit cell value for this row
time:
h=3 m=14
